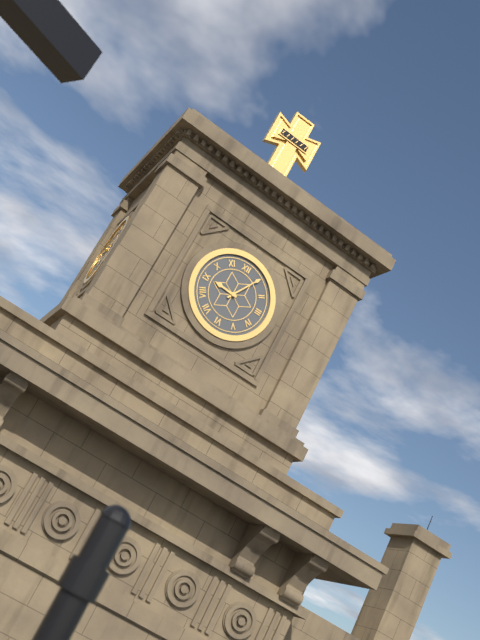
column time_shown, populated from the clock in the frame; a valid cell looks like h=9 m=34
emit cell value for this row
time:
h=9 m=5
